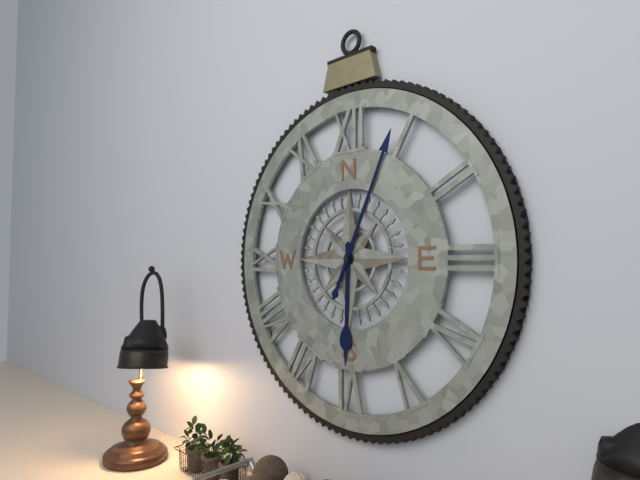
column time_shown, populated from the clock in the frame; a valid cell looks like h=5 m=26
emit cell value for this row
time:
h=6 m=4
